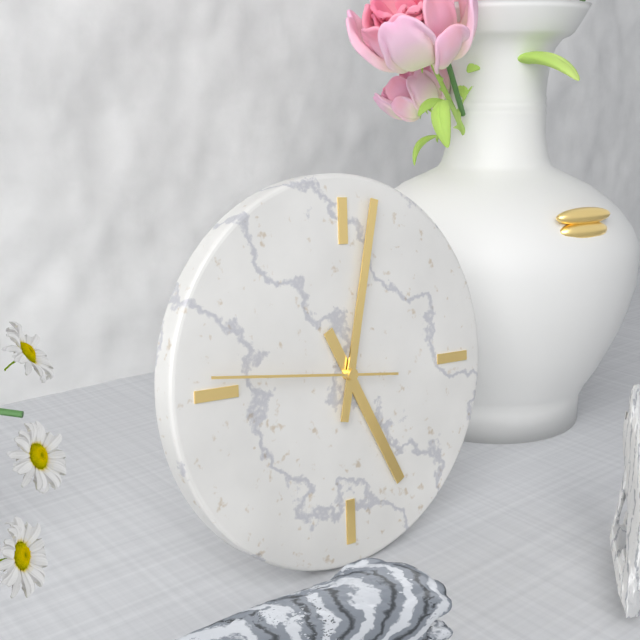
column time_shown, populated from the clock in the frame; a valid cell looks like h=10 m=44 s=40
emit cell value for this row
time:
h=5 m=2 s=46
